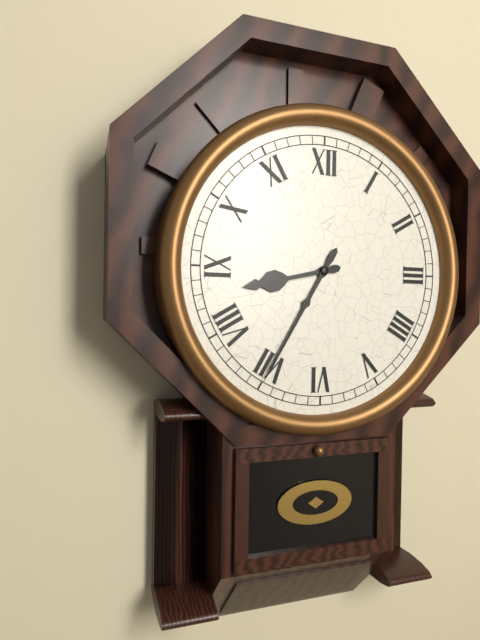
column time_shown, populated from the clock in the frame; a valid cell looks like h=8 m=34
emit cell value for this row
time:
h=8 m=35
